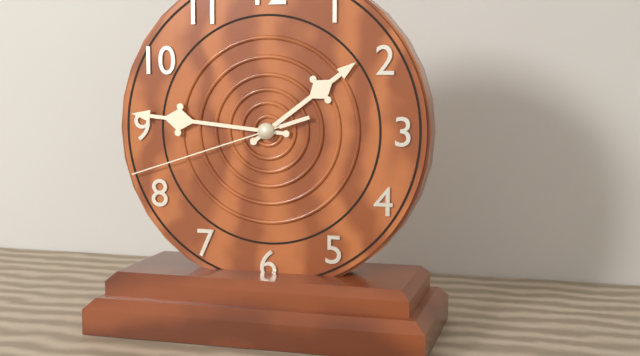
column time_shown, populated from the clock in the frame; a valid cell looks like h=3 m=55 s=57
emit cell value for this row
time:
h=1 m=46 s=42
